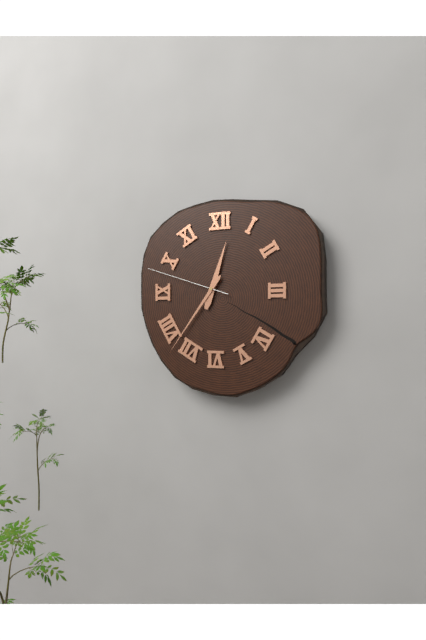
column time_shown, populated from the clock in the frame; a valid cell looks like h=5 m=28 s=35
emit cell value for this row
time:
h=12 m=36 s=48
